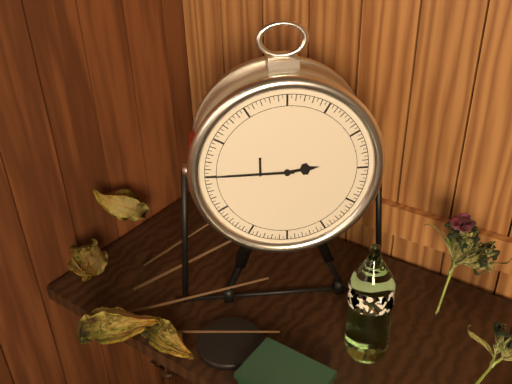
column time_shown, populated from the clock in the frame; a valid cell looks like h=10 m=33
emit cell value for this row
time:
h=2 m=45
